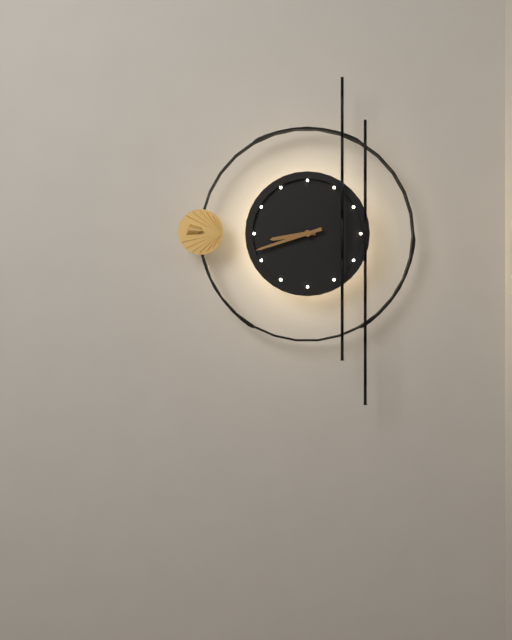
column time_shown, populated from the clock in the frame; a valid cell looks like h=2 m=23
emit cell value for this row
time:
h=8 m=42
